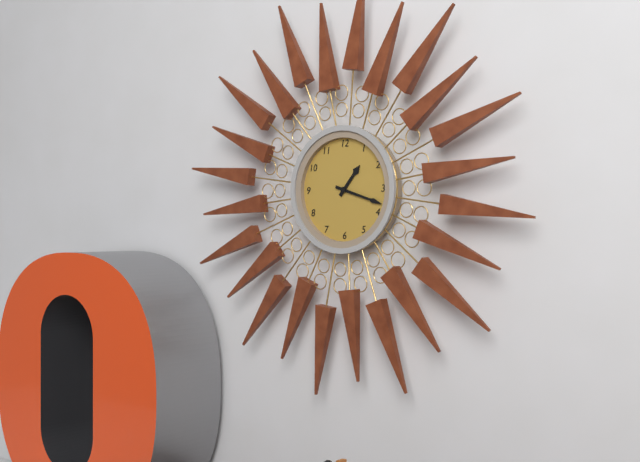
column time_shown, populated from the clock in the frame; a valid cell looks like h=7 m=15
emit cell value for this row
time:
h=1 m=18
